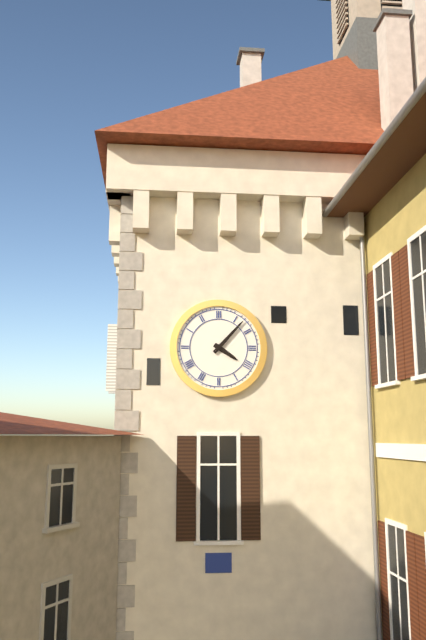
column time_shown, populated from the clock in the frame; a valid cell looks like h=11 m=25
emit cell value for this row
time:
h=4 m=7
